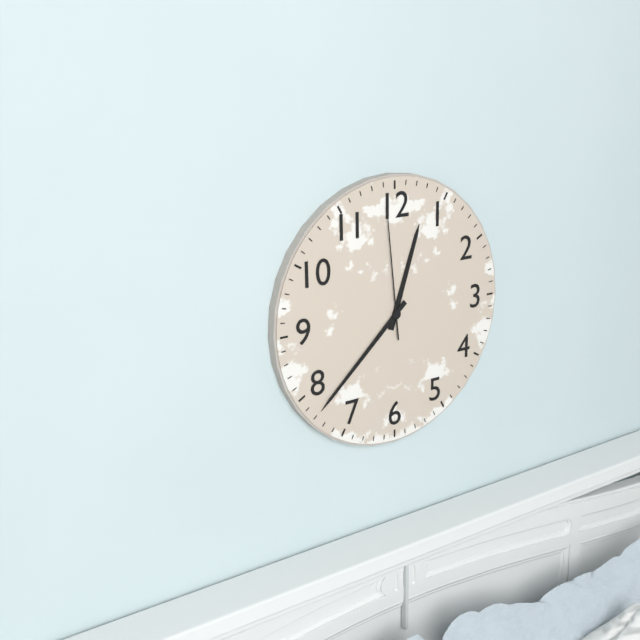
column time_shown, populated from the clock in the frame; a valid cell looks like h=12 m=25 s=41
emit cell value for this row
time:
h=12 m=38 s=59
